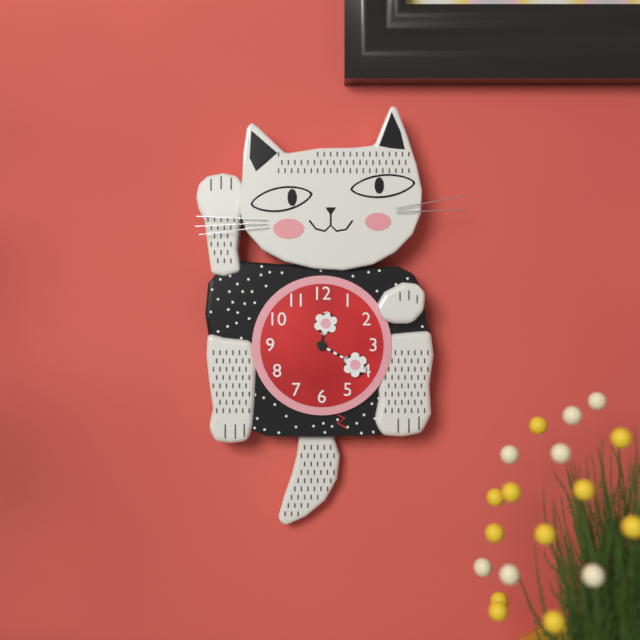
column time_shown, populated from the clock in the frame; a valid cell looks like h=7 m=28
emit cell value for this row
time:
h=12 m=20
